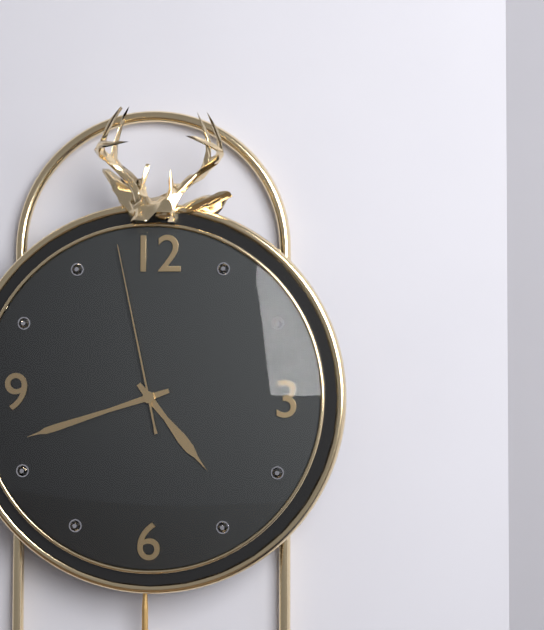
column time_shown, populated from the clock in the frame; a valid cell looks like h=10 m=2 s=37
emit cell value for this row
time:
h=4 m=42 s=58
